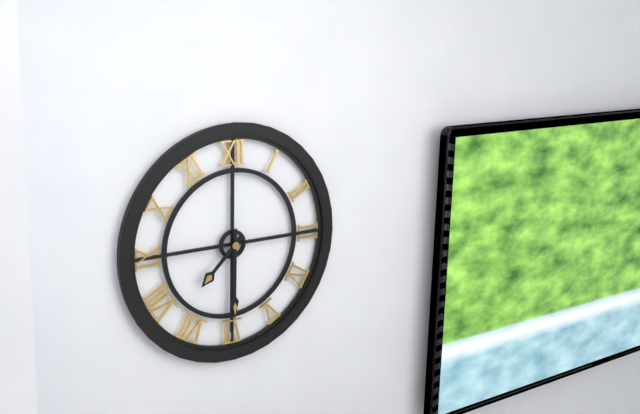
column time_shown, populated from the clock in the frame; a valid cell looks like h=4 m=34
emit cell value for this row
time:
h=7 m=30
